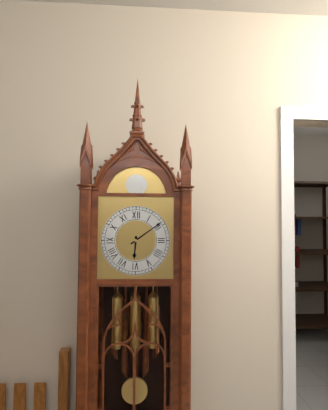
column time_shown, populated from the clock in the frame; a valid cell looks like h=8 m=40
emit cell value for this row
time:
h=6 m=9
